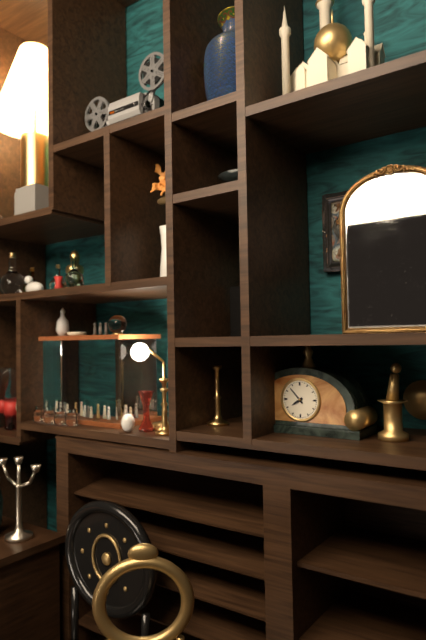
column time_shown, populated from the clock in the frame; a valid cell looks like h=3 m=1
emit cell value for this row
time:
h=7 m=53
